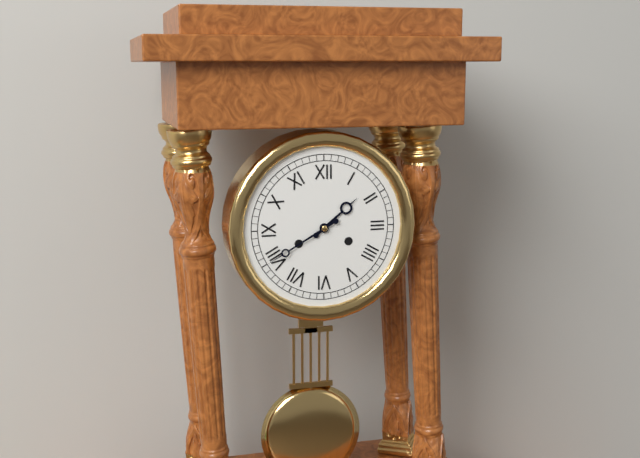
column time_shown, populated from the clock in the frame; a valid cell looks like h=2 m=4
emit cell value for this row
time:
h=1 m=40
